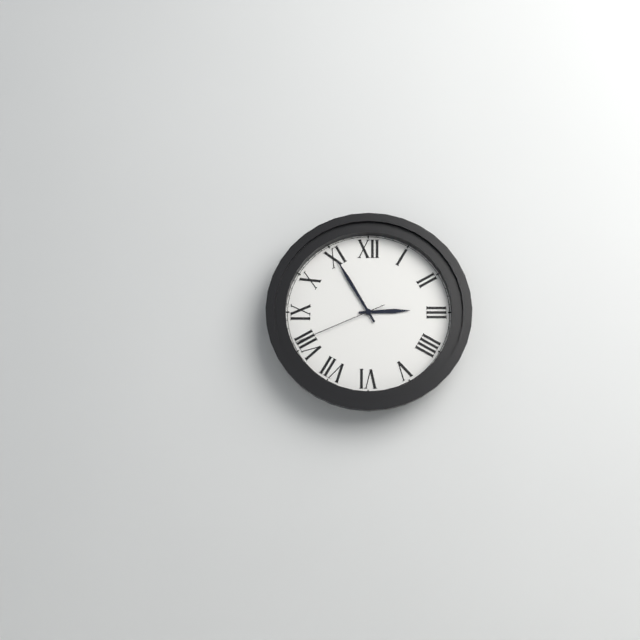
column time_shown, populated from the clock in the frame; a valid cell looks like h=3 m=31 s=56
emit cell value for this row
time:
h=2 m=55 s=41
